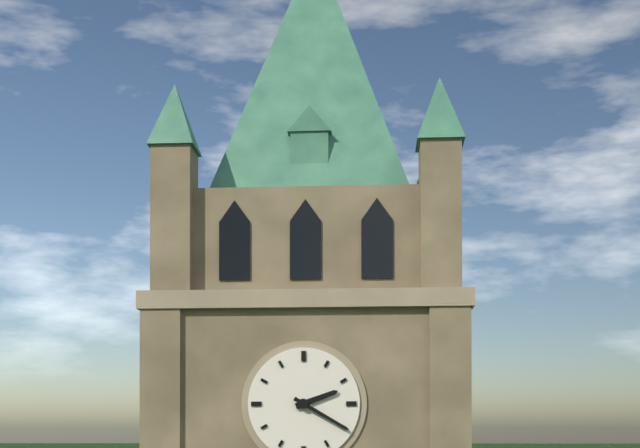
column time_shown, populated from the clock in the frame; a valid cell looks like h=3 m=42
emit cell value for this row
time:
h=2 m=20
